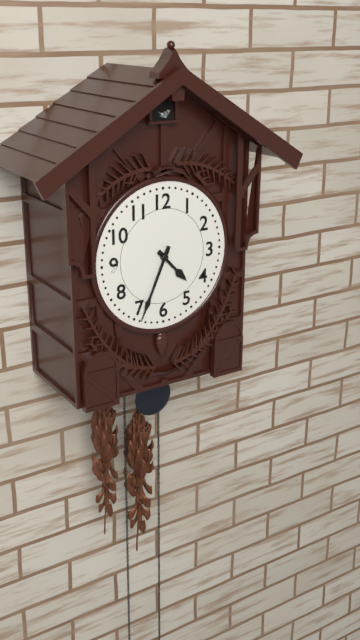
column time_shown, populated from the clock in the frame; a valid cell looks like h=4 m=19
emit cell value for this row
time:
h=4 m=34
